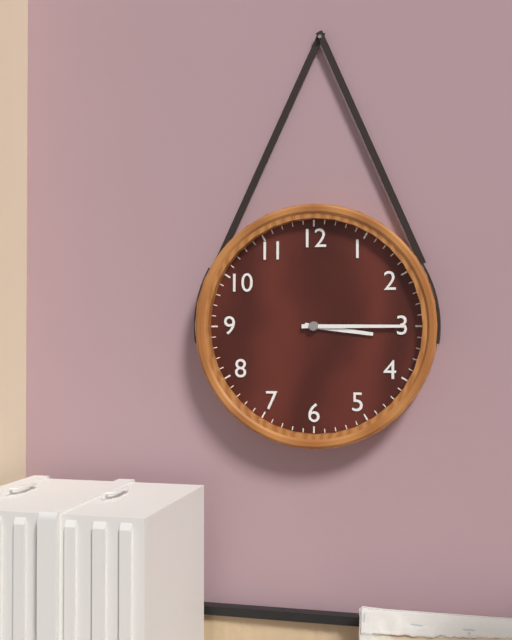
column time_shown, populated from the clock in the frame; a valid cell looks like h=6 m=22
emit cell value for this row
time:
h=3 m=15
